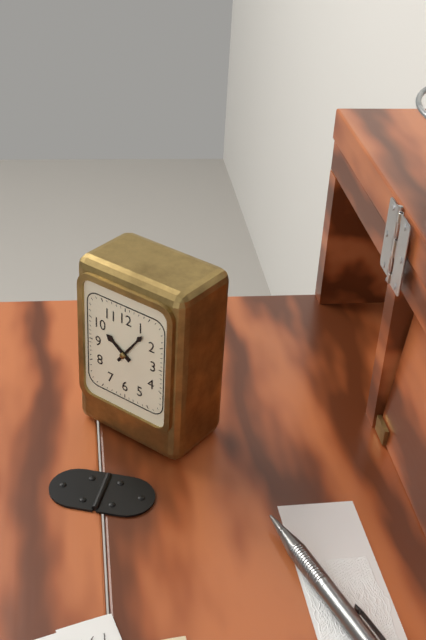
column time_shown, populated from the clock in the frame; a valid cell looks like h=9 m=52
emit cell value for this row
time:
h=10 m=6
